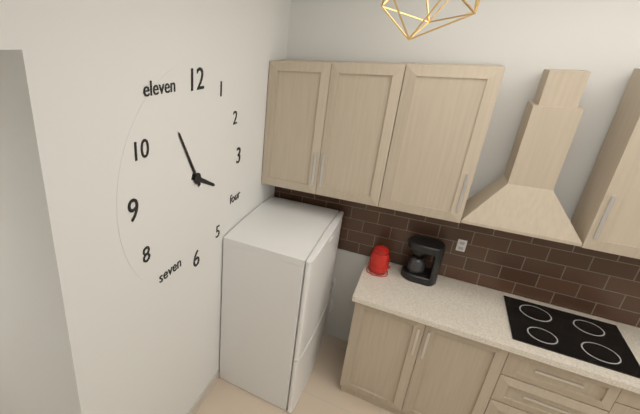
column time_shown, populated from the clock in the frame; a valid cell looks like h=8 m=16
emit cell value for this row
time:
h=3 m=55
